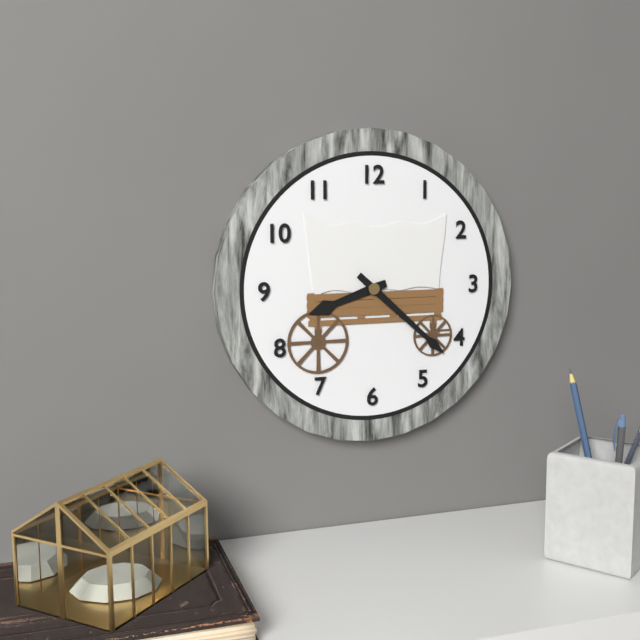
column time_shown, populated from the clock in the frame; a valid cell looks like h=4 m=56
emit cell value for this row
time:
h=8 m=22
